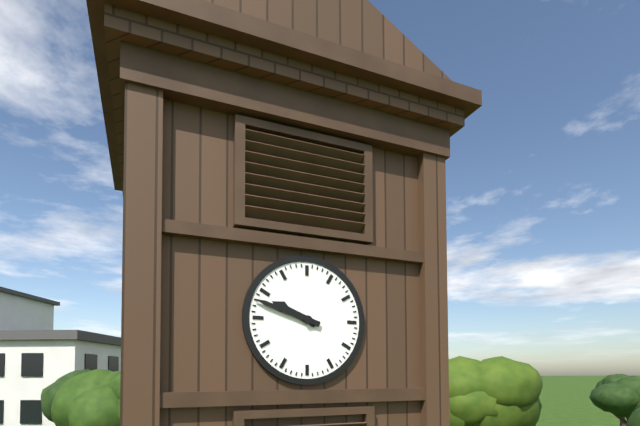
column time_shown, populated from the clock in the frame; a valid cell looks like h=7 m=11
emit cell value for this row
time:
h=9 m=48
